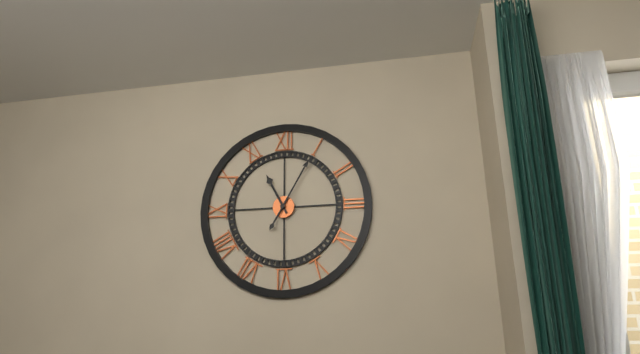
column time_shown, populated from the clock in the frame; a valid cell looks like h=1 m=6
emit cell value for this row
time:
h=11 m=5
